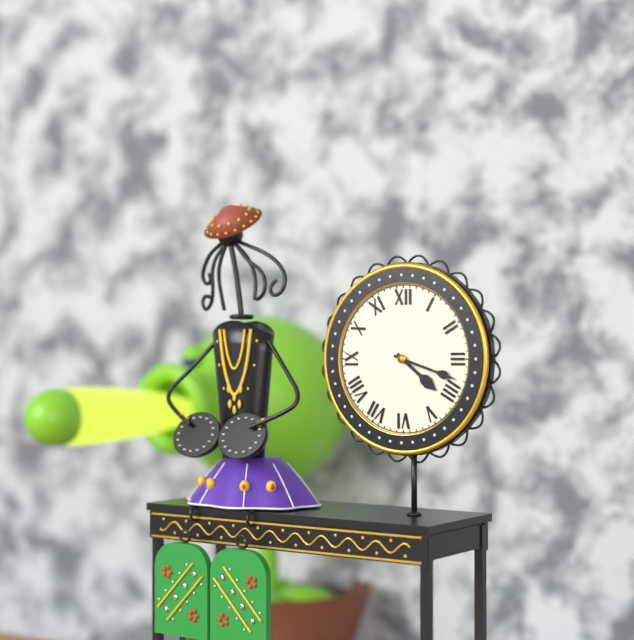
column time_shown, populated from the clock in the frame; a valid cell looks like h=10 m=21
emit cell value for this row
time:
h=4 m=18
